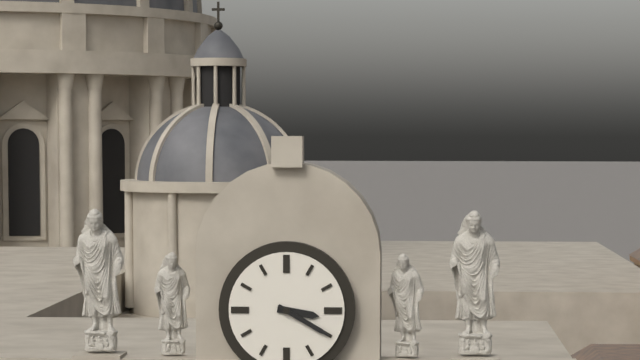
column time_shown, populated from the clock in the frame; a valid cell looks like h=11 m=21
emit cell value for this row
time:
h=3 m=20
